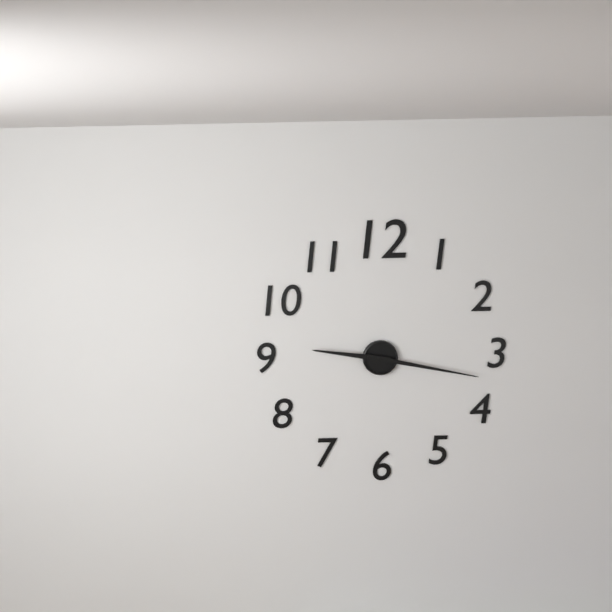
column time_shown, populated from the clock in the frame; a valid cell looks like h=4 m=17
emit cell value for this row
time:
h=9 m=17
